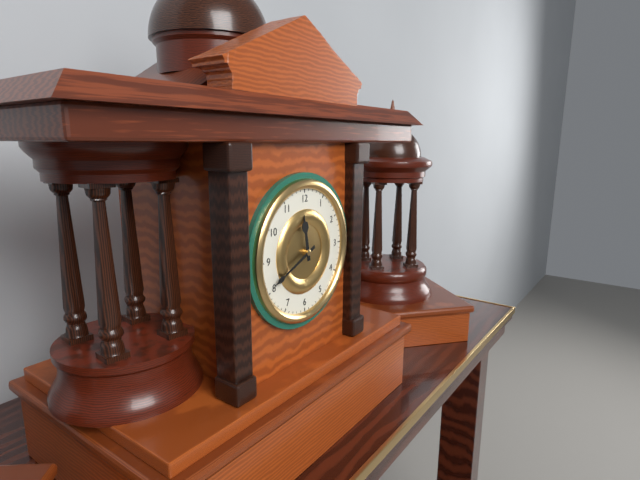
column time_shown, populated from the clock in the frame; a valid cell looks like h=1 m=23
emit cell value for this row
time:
h=11 m=41
